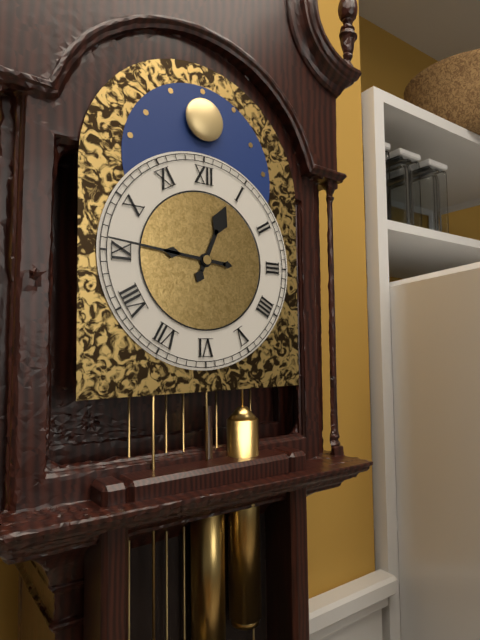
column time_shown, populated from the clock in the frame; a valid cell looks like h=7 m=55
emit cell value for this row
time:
h=12 m=46
